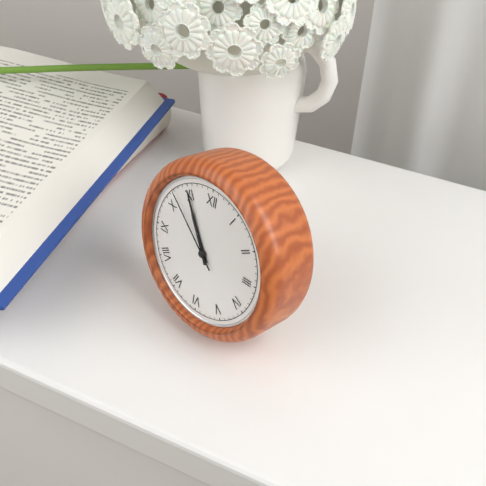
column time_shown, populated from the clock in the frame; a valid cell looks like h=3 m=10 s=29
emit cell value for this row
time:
h=10 m=55 s=52
